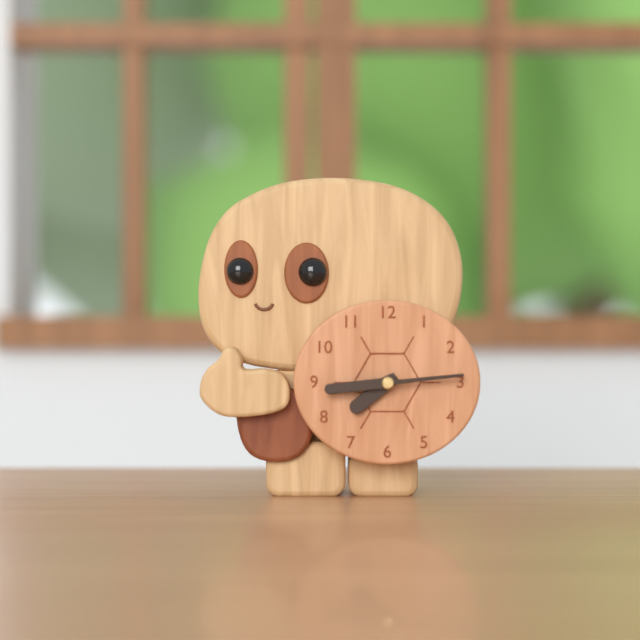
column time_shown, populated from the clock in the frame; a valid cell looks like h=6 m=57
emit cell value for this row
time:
h=7 m=44
